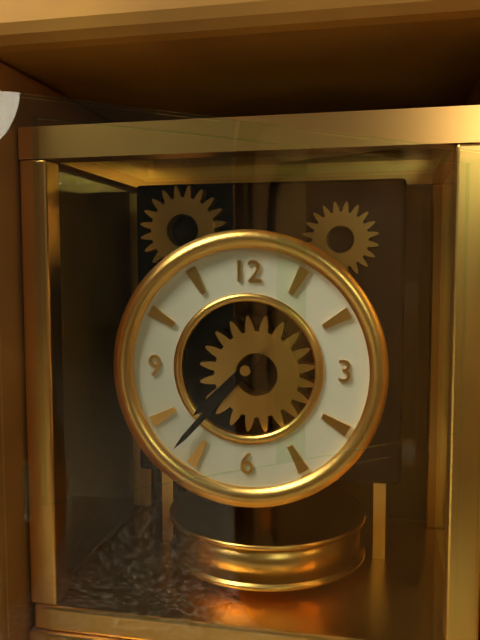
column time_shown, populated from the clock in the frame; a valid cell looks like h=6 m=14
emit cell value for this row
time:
h=7 m=37
